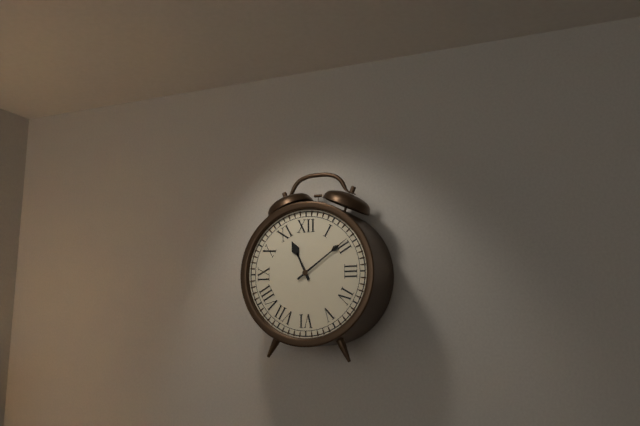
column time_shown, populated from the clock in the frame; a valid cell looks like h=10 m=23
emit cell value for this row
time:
h=11 m=9
